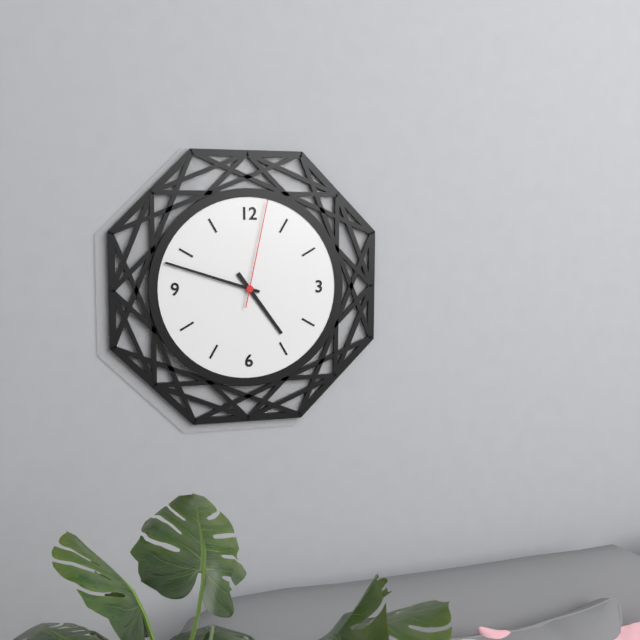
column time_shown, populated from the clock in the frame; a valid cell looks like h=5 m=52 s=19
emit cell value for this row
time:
h=4 m=48 s=2
